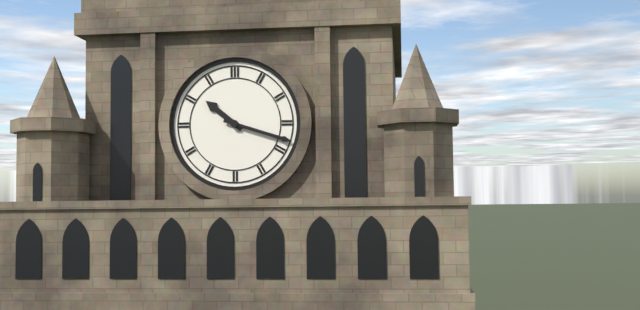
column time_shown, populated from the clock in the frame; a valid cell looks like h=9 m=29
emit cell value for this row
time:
h=10 m=18
